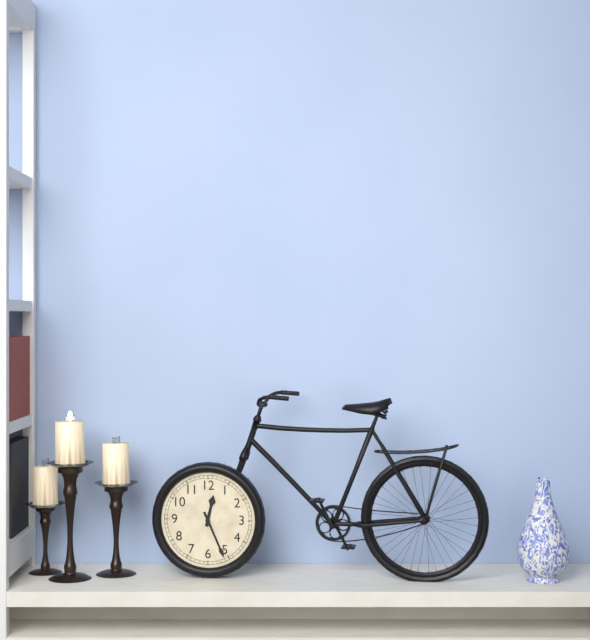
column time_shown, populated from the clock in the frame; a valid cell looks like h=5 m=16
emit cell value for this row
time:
h=12 m=26
